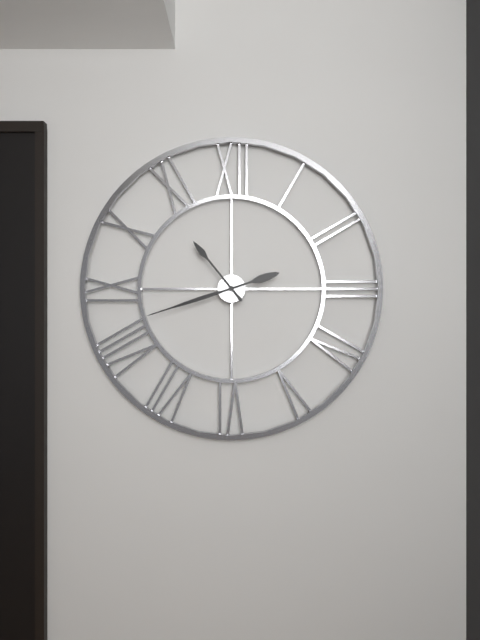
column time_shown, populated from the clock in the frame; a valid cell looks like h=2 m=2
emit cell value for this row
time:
h=10 m=42
